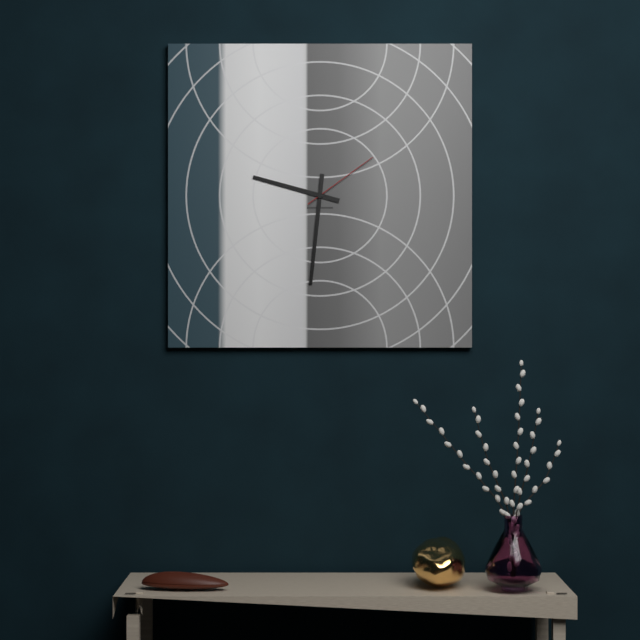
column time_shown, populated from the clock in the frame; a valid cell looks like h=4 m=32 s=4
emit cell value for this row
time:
h=9 m=31 s=9
